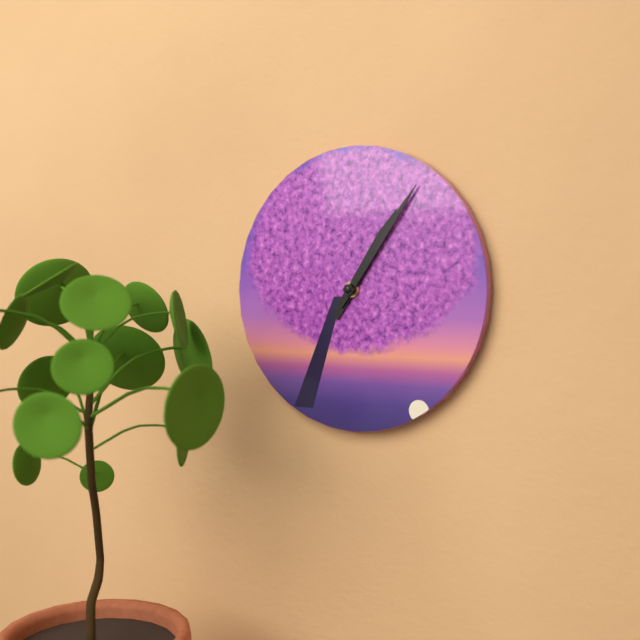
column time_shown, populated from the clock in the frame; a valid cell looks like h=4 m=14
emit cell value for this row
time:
h=1 m=6
